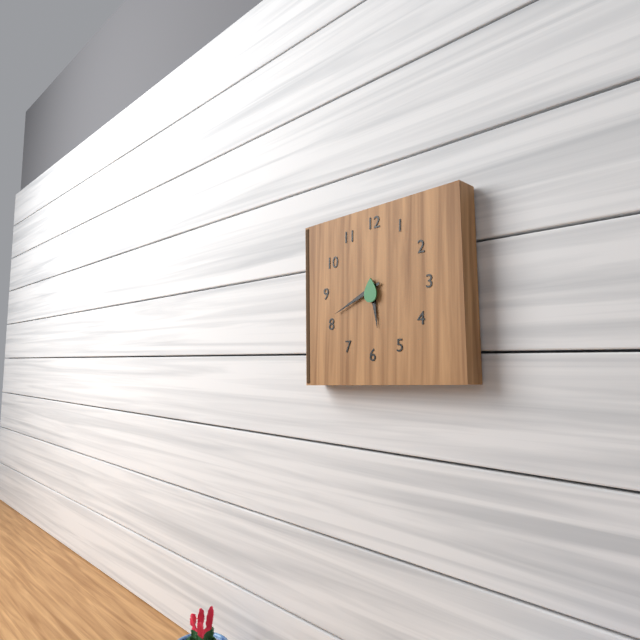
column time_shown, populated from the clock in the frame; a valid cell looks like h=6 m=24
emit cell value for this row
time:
h=5 m=41
